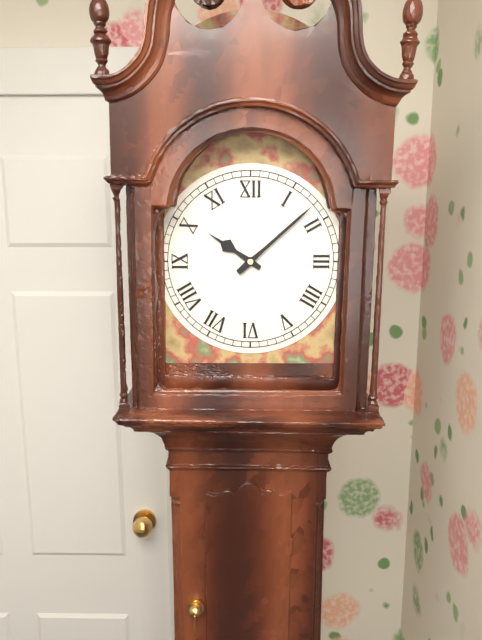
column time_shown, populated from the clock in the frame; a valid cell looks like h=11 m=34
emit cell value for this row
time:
h=10 m=8
